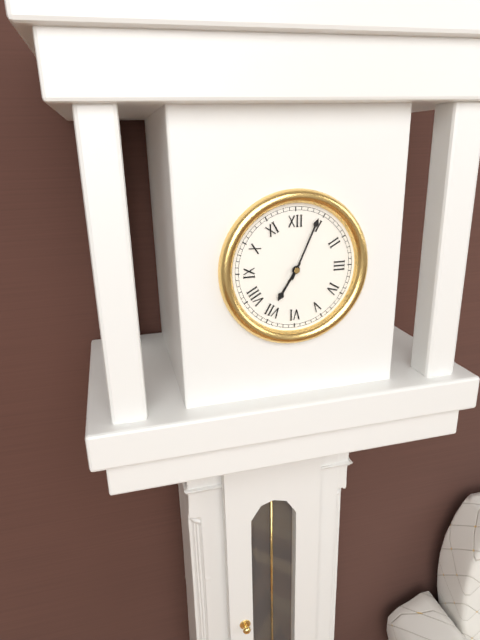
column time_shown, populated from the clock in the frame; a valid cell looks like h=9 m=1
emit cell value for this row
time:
h=7 m=4
